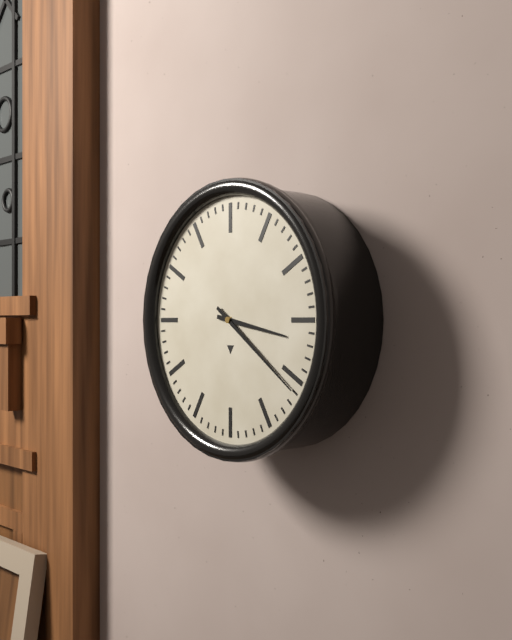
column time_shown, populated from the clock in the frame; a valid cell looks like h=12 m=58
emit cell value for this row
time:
h=3 m=21
